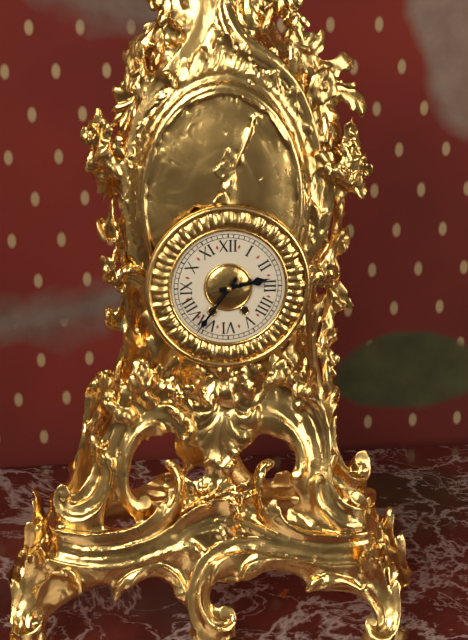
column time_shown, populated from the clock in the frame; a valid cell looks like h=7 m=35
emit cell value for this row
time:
h=2 m=36
